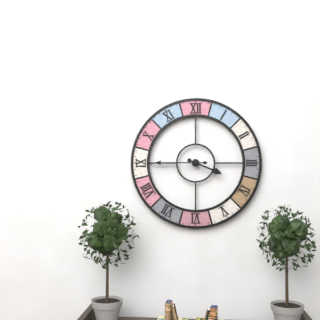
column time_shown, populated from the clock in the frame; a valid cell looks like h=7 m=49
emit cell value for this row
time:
h=3 m=45
